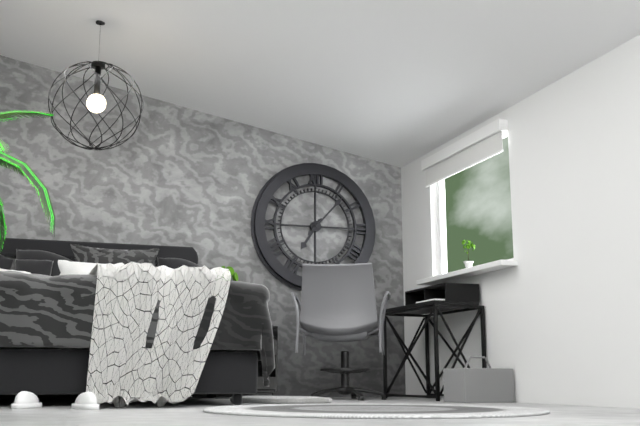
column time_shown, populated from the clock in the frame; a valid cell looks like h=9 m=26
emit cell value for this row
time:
h=7 m=7
